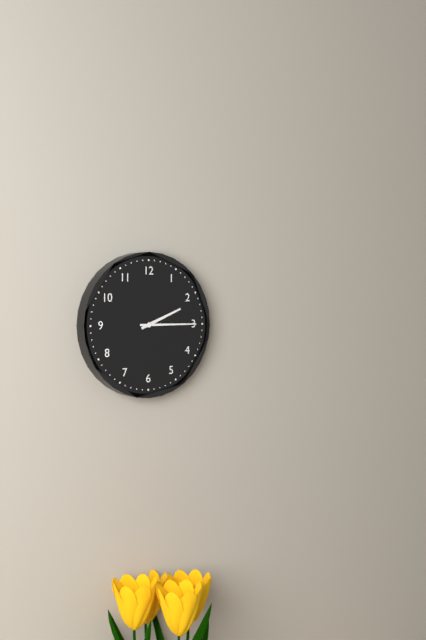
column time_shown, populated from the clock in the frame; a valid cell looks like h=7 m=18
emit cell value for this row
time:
h=2 m=15
